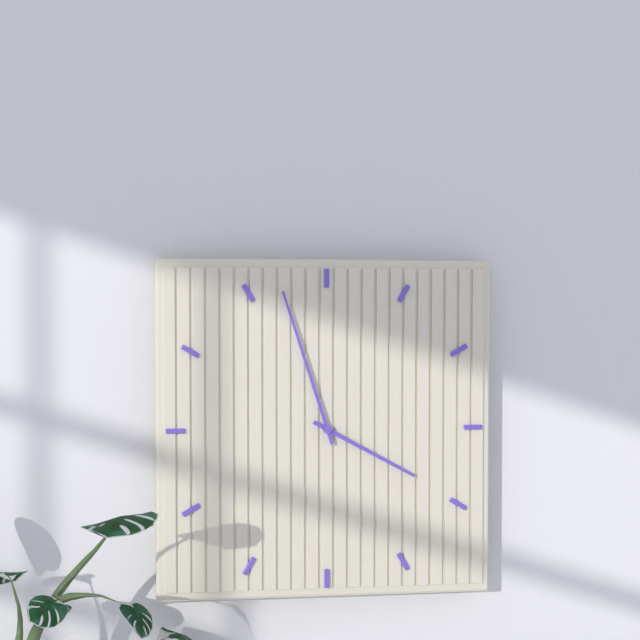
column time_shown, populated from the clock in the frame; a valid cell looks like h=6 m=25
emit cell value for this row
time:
h=3 m=57
